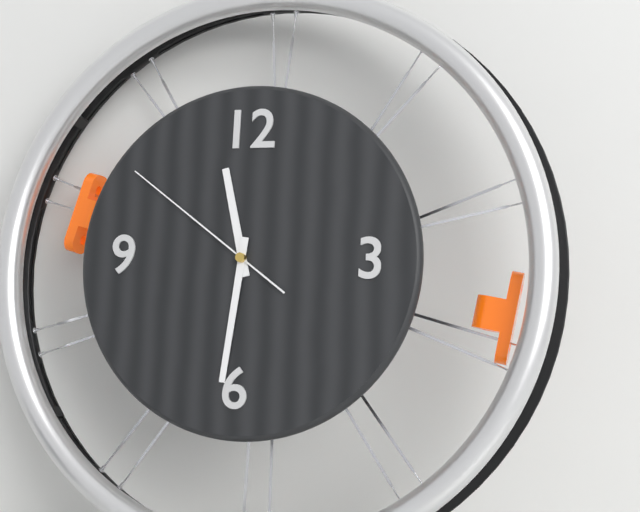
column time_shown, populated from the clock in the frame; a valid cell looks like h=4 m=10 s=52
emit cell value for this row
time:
h=11 m=31 s=51
